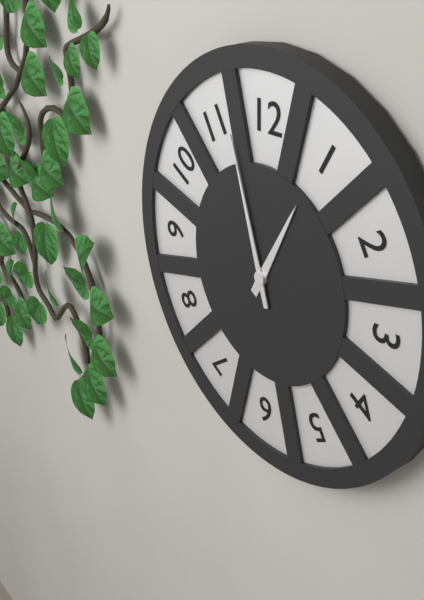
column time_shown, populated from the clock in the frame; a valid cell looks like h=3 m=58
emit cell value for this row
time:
h=12 m=57
